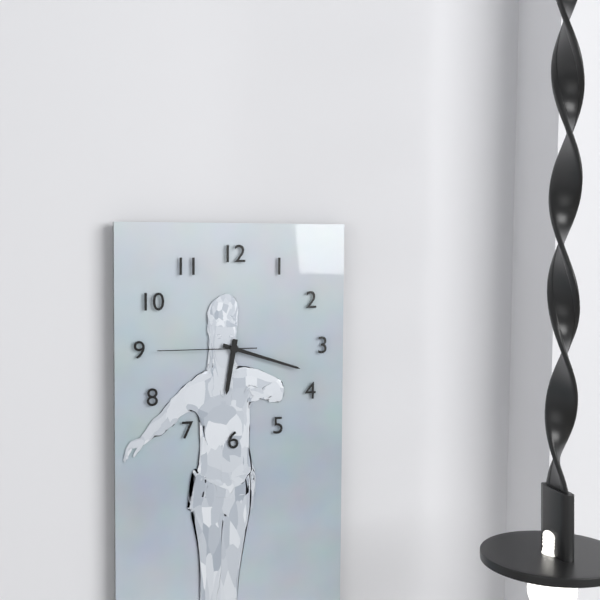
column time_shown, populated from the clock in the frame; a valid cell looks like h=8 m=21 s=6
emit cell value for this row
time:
h=6 m=18 s=45
